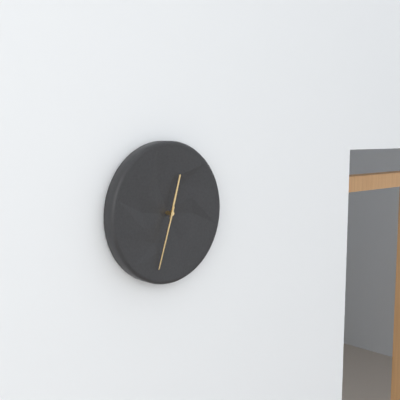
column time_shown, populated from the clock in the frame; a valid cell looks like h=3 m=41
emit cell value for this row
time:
h=12 m=33
